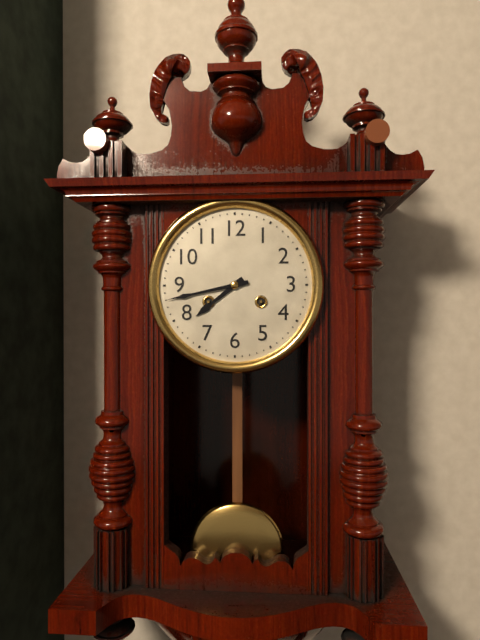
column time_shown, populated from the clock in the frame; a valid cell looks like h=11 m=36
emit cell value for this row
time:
h=7 m=43
